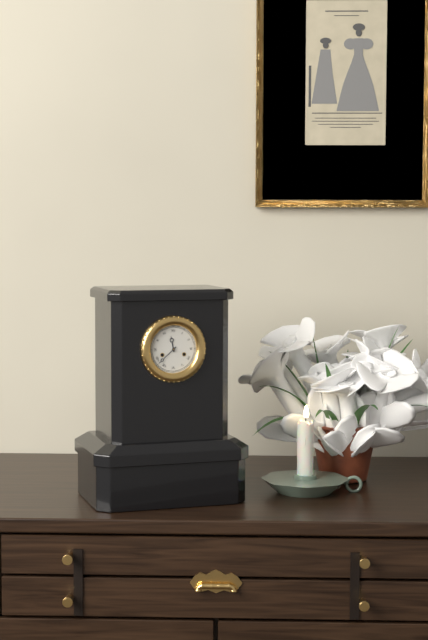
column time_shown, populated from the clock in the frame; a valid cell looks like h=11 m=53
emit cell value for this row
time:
h=11 m=38
